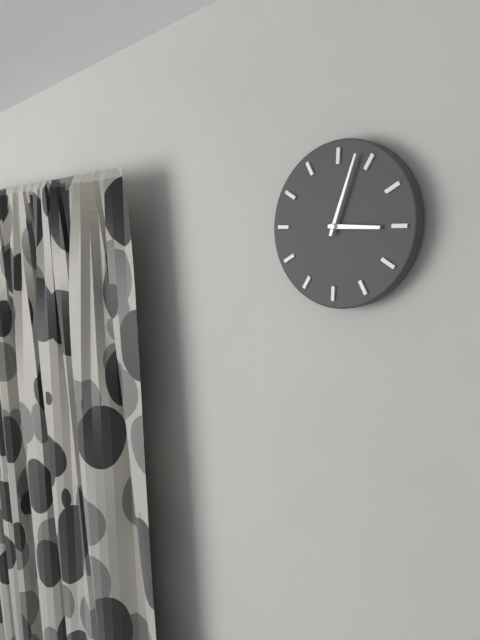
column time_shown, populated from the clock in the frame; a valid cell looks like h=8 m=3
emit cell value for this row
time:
h=3 m=3
